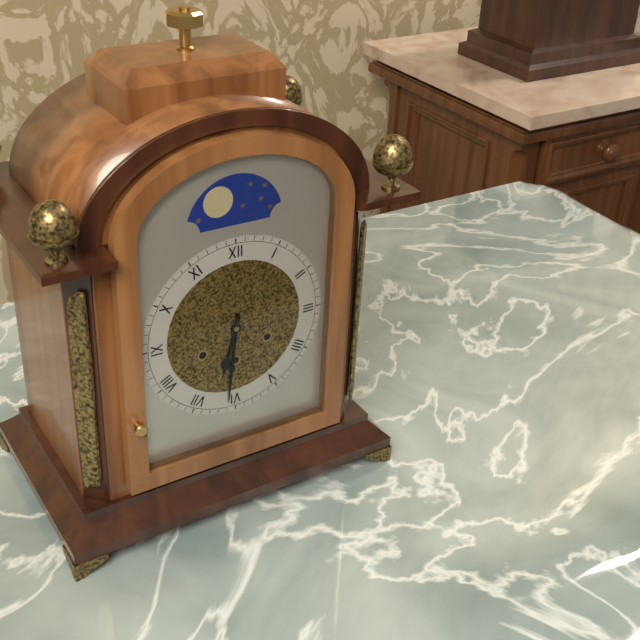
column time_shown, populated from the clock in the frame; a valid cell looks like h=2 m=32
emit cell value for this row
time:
h=6 m=31
